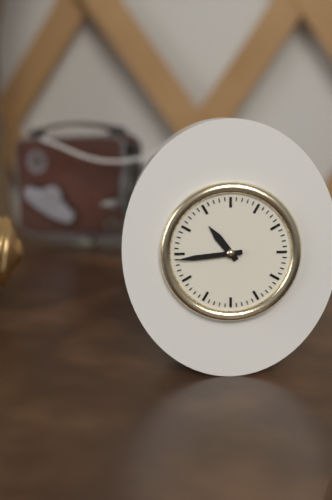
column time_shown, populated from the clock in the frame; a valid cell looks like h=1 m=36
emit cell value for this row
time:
h=10 m=44
